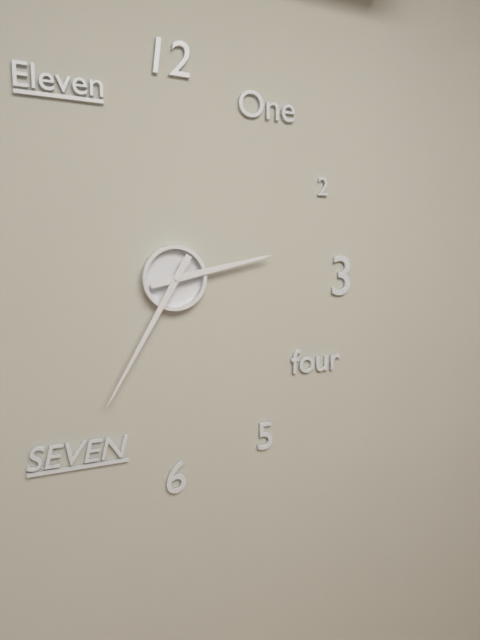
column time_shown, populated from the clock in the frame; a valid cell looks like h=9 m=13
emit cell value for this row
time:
h=2 m=35
